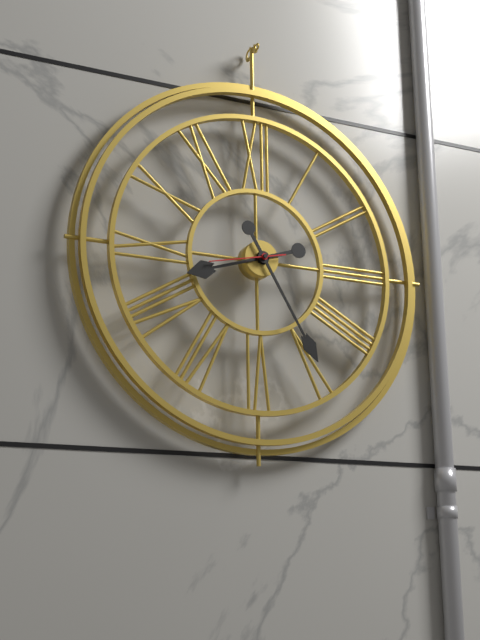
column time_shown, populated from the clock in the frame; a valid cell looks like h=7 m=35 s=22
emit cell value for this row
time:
h=8 m=25 s=43
